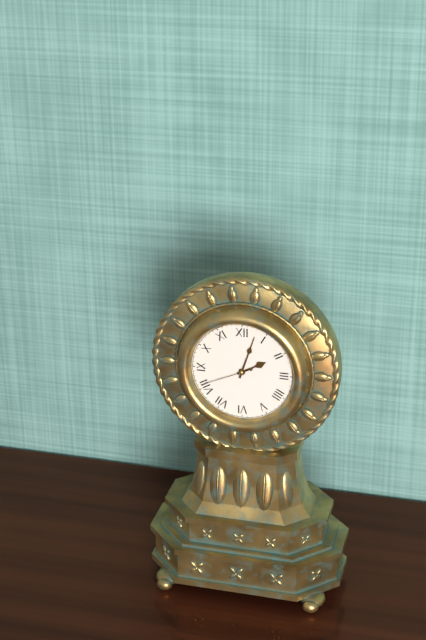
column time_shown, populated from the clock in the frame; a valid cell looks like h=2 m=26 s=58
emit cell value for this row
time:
h=2 m=3 s=41
